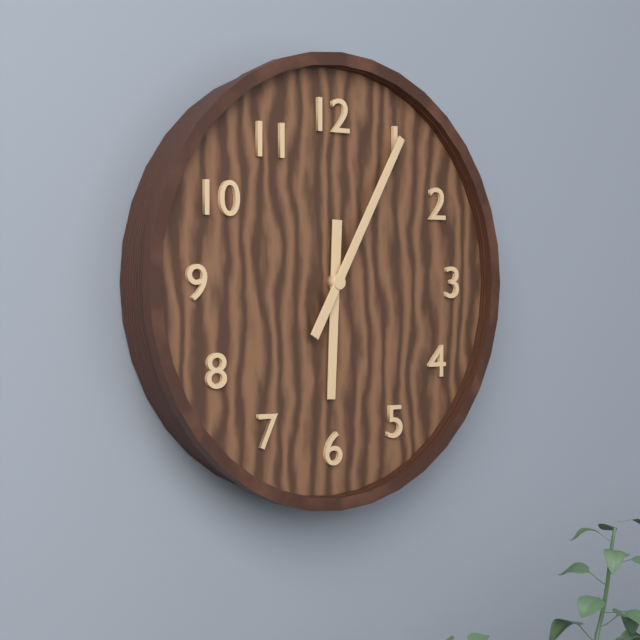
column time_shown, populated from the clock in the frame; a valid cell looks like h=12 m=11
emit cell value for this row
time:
h=6 m=5
